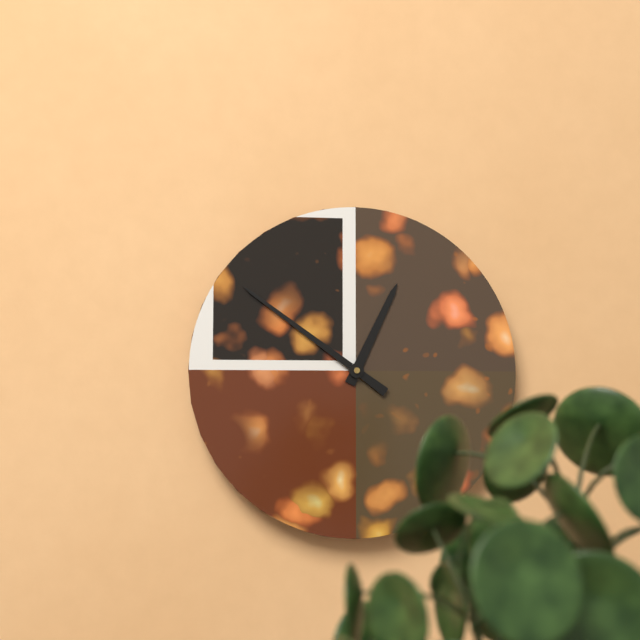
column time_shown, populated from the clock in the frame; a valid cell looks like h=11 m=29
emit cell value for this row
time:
h=12 m=51
